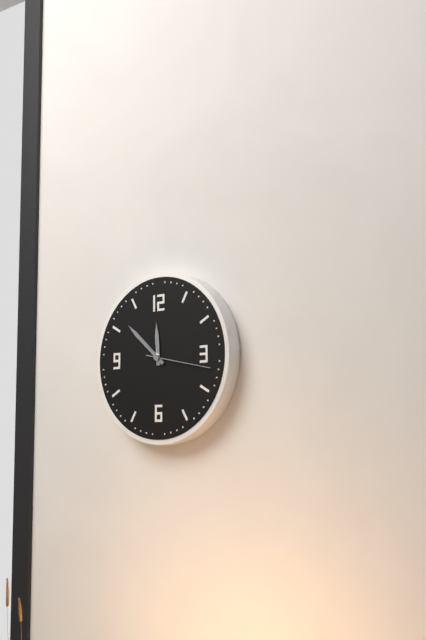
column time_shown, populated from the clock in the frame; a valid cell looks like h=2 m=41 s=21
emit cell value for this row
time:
h=11 m=52 s=17
